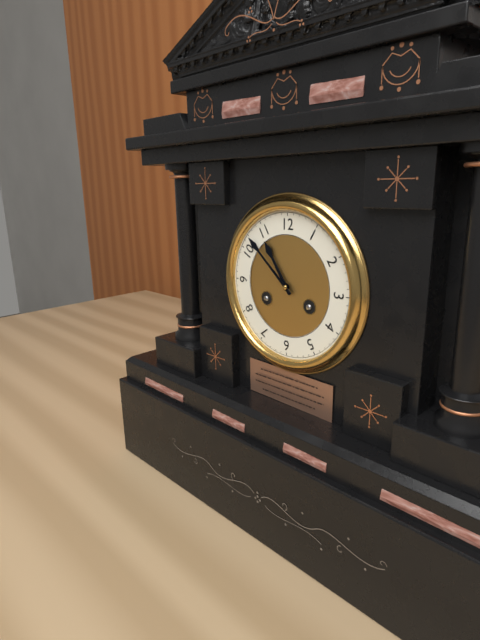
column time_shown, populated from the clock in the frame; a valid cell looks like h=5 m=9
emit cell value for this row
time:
h=10 m=52
